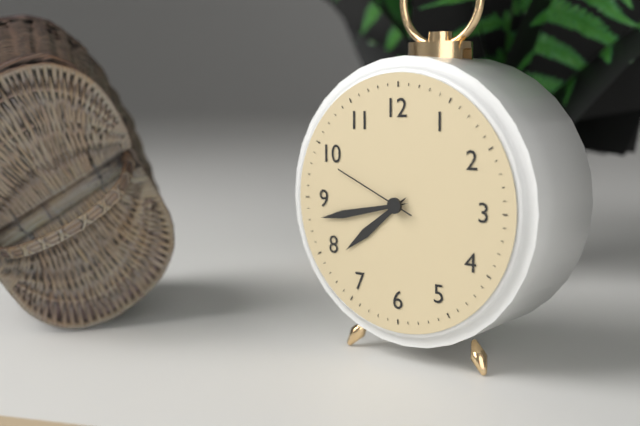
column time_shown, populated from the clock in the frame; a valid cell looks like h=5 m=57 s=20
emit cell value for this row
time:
h=7 m=43 s=49
